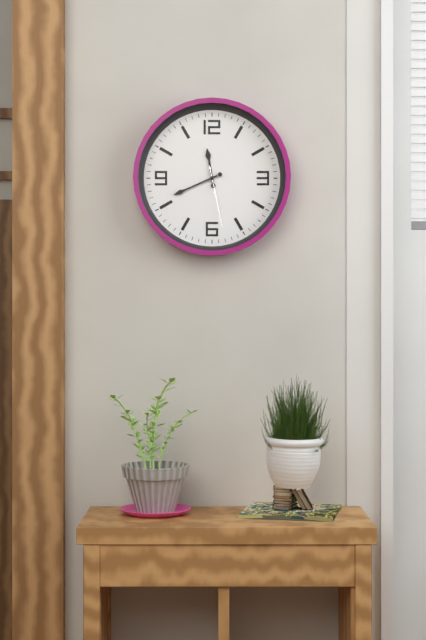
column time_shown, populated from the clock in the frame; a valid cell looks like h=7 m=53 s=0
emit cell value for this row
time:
h=11 m=41 s=28
